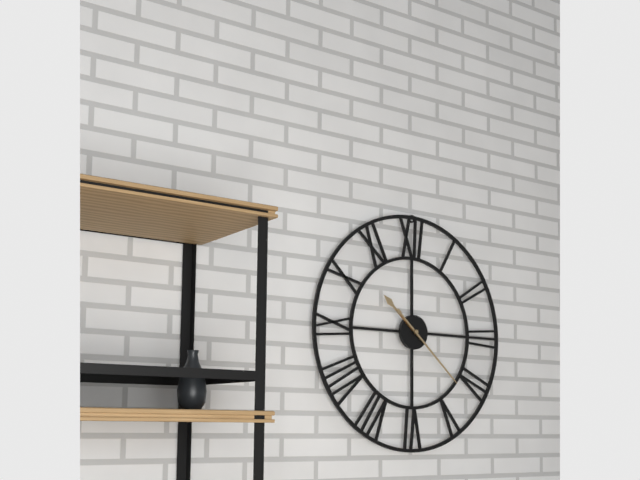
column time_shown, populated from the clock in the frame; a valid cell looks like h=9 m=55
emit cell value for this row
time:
h=10 m=22
